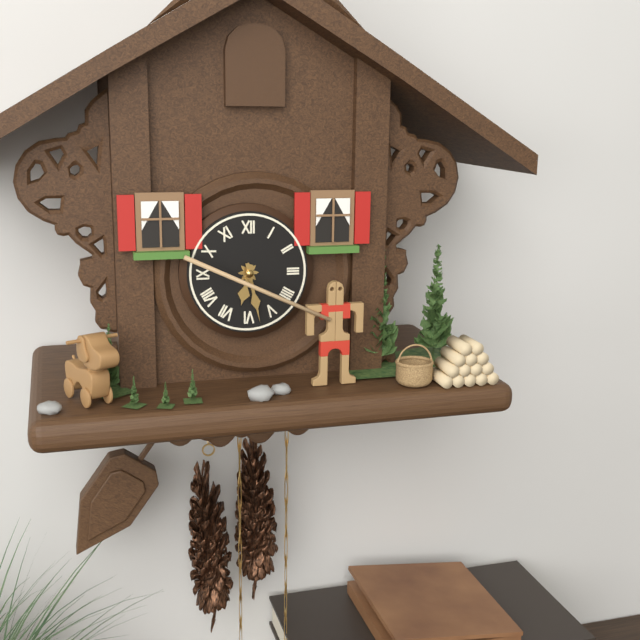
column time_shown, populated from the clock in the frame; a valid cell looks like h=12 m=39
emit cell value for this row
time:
h=6 m=28
